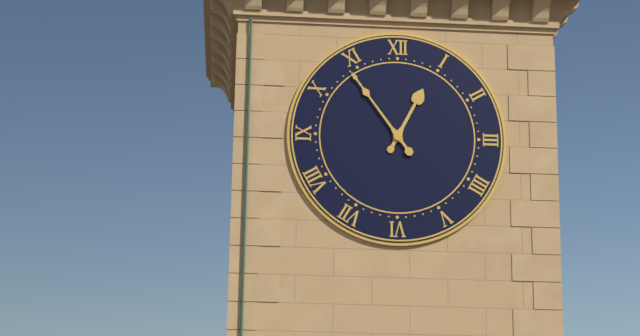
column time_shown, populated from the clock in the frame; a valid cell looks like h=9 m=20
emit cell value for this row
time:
h=12 m=54
